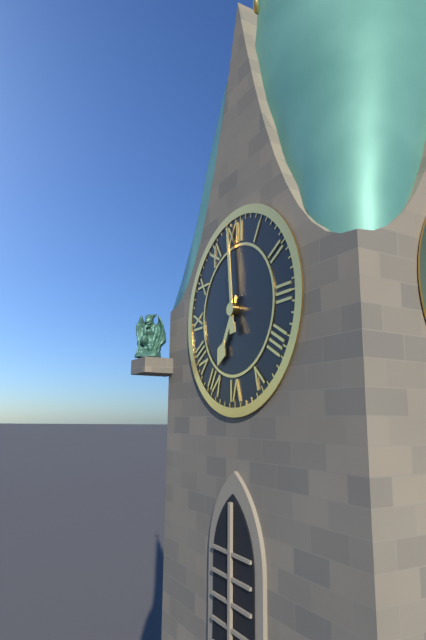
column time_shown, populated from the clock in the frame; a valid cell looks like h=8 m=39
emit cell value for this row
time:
h=6 m=59
